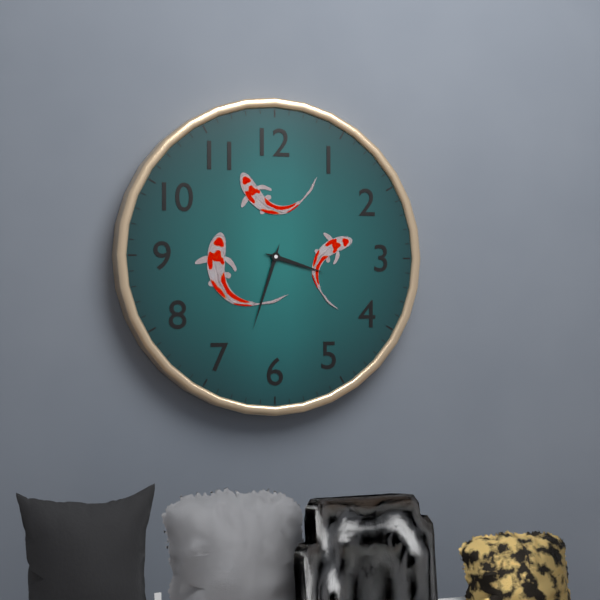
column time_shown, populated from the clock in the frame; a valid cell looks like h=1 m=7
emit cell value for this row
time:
h=3 m=33
